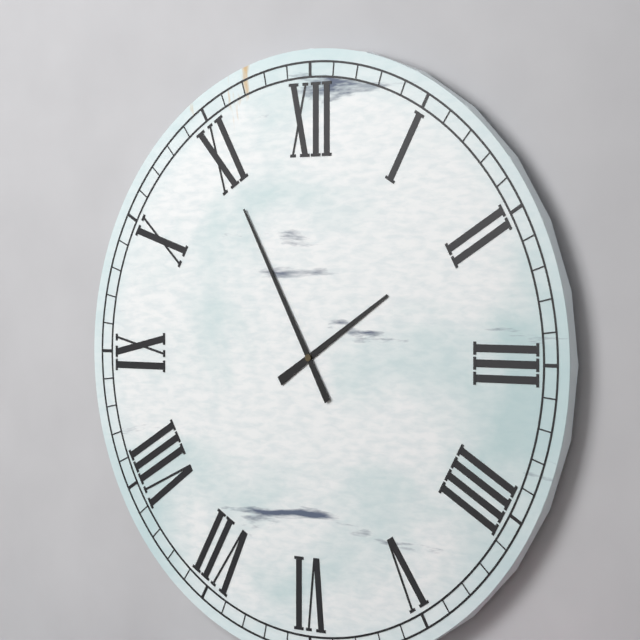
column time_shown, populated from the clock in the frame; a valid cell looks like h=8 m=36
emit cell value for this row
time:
h=1 m=55
